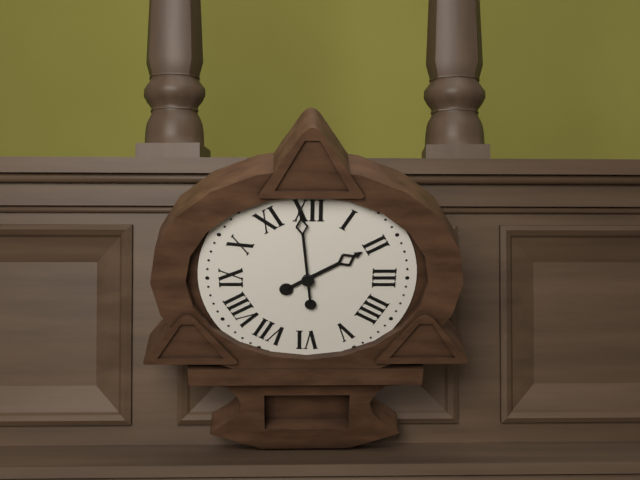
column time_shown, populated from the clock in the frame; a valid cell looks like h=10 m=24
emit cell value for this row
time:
h=1 m=59
